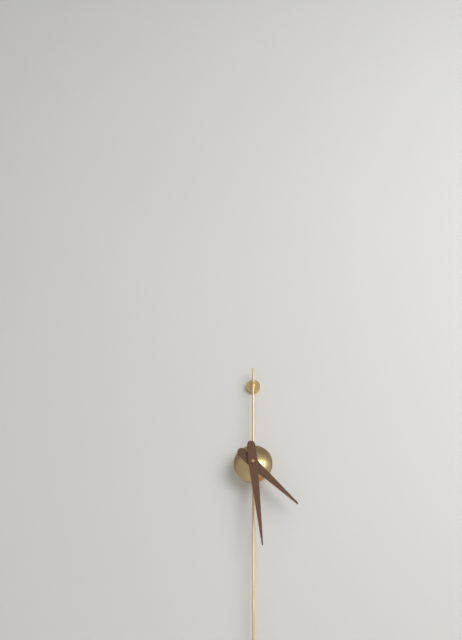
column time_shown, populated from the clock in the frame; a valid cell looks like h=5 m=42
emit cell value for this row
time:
h=4 m=29
